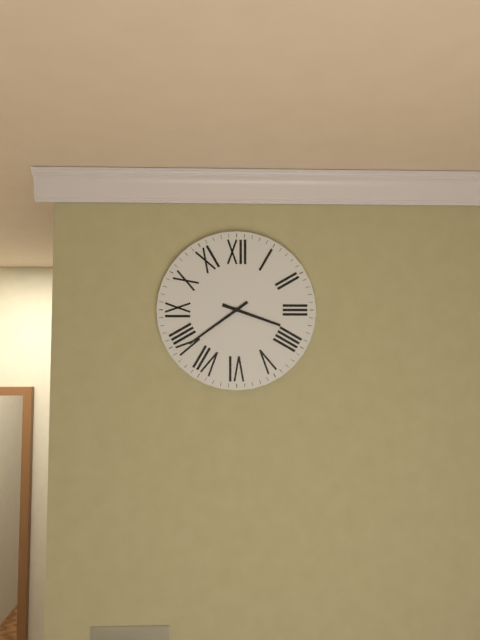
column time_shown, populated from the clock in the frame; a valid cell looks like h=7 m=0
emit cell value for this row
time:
h=3 m=39
